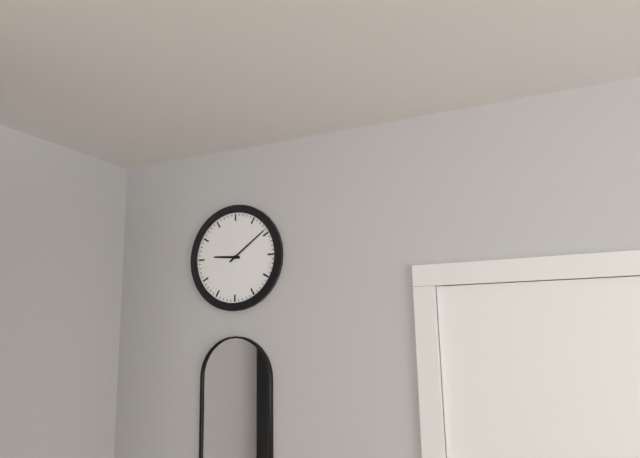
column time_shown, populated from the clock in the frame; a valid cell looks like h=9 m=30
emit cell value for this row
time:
h=9 m=9
